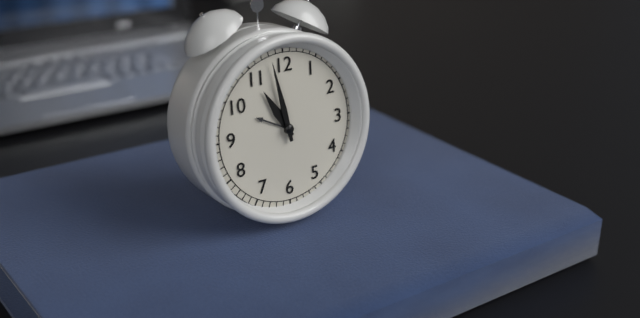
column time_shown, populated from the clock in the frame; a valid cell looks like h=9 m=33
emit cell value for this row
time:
h=10 m=58
